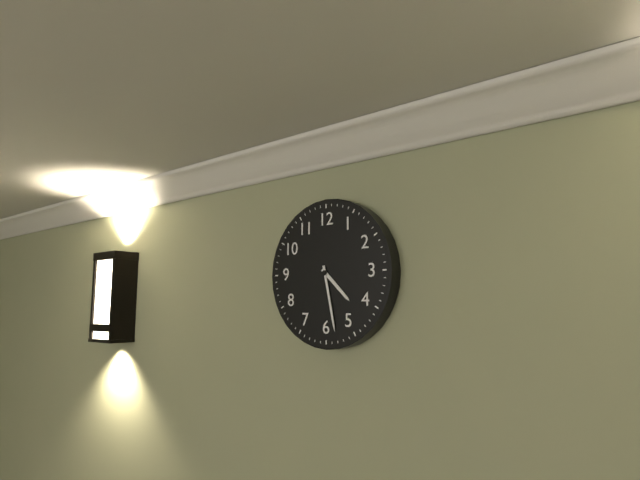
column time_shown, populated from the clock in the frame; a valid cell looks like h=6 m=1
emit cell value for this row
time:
h=4 m=28
